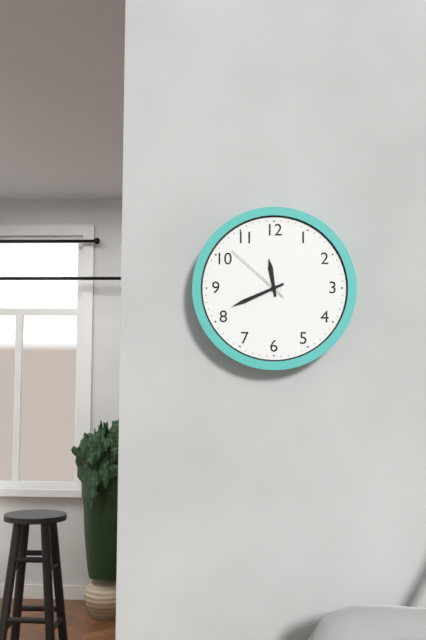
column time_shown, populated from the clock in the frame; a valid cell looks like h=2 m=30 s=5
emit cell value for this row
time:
h=11 m=41 s=52
